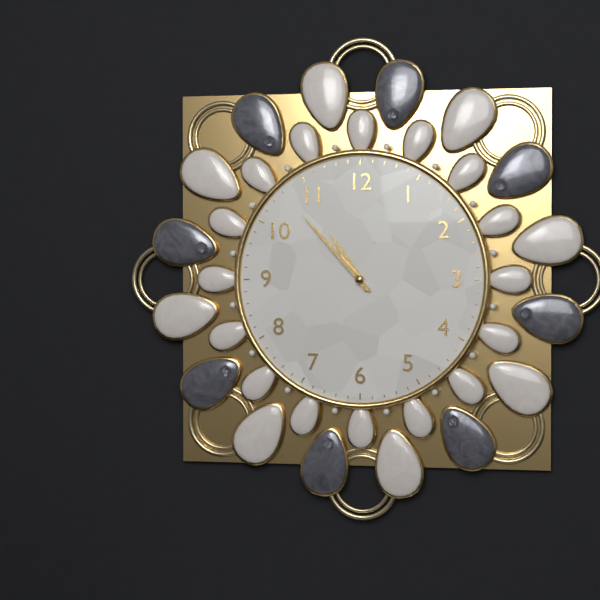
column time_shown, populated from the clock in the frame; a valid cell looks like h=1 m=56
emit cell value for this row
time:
h=10 m=53
